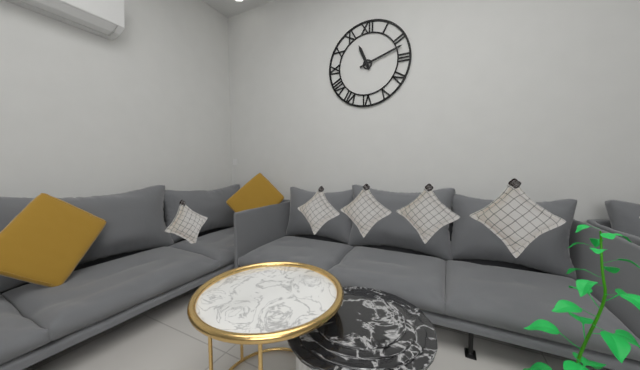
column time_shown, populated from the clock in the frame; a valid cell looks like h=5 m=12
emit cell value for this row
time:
h=11 m=12
